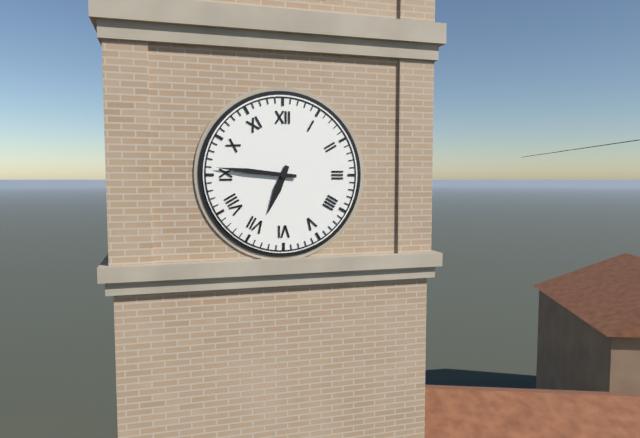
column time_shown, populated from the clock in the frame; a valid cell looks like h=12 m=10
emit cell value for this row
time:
h=6 m=46
